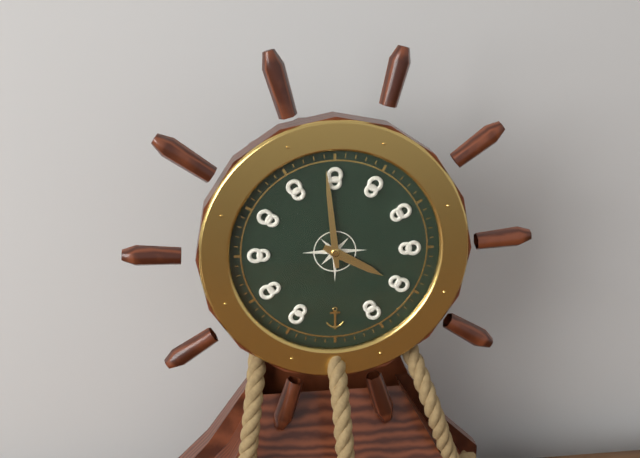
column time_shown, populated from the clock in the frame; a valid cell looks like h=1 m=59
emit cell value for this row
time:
h=3 m=59
